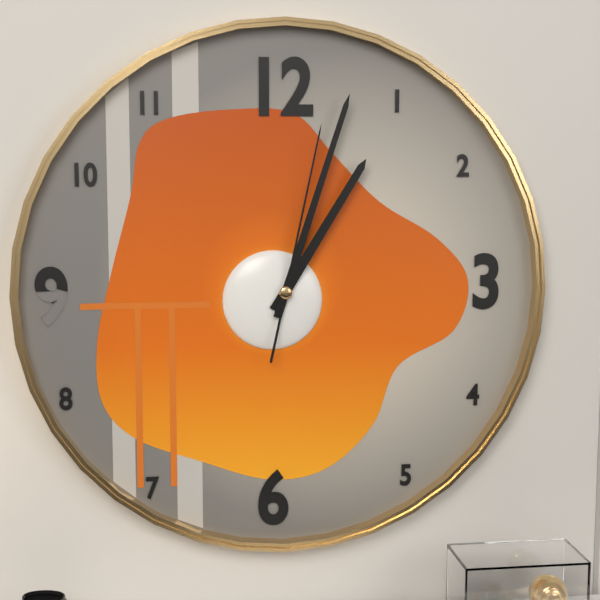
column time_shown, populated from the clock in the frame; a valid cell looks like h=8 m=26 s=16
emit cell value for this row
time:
h=1 m=3 s=2
